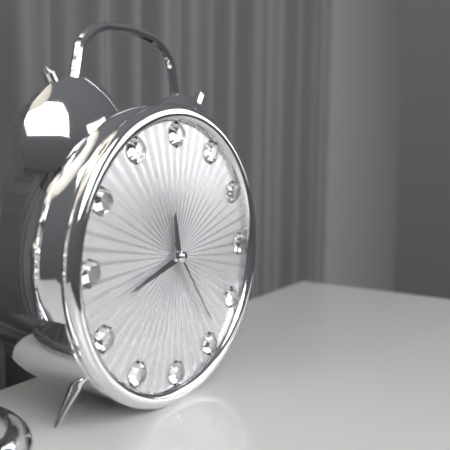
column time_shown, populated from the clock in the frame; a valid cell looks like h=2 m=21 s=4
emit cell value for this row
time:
h=11 m=42 s=24
